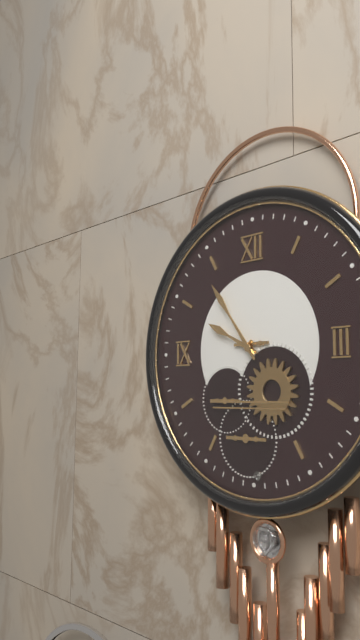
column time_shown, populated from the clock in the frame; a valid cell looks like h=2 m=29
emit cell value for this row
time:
h=9 m=54
